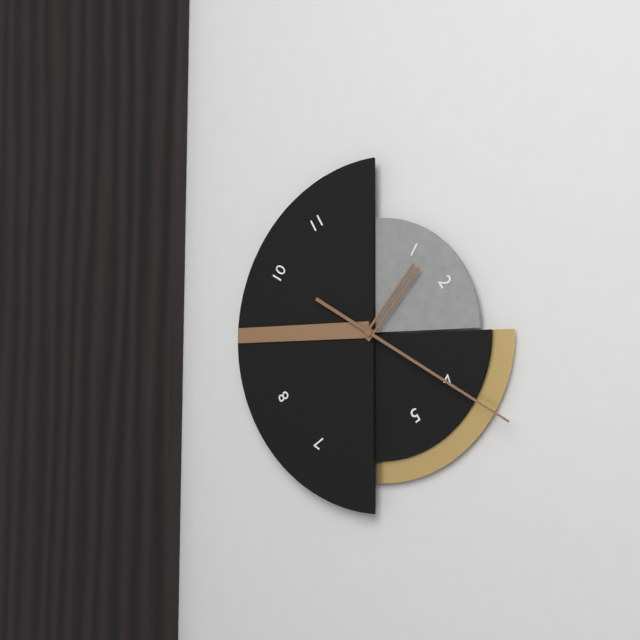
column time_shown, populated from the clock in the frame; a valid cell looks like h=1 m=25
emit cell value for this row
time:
h=1 m=20
